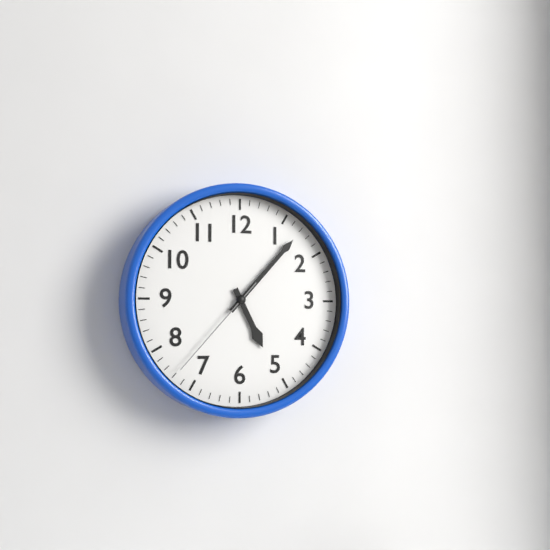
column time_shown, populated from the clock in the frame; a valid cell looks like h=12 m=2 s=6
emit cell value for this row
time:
h=5 m=7 s=37
